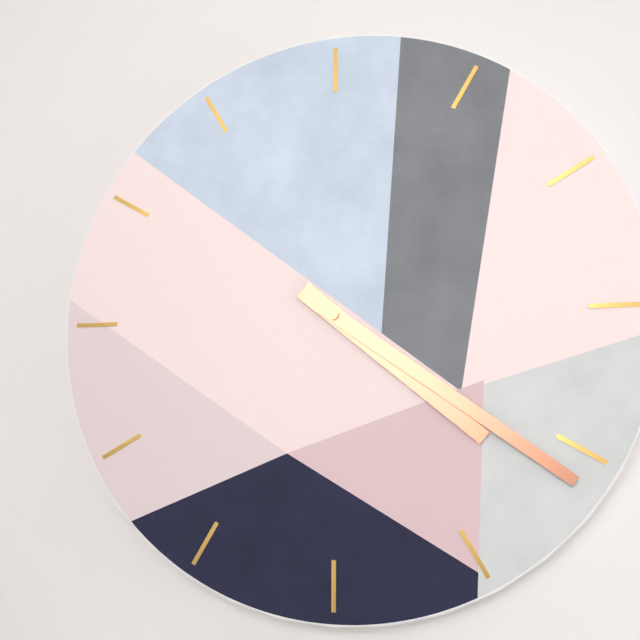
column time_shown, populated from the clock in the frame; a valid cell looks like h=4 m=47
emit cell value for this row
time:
h=4 m=21
